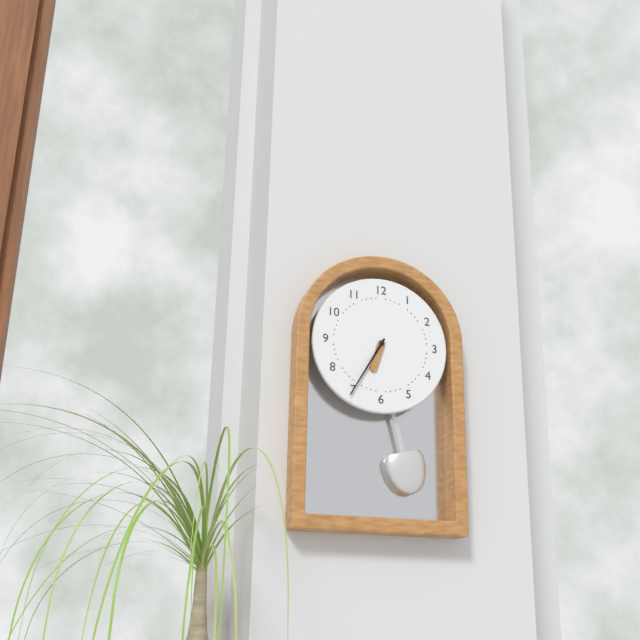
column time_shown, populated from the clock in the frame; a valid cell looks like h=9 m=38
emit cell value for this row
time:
h=6 m=35
